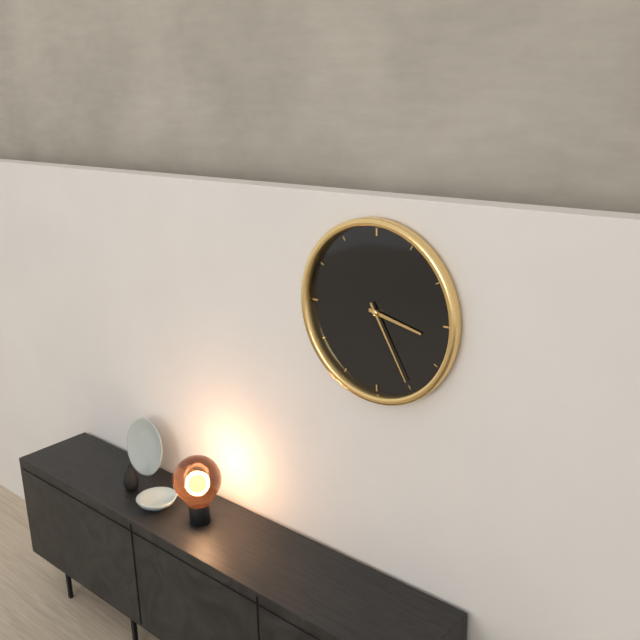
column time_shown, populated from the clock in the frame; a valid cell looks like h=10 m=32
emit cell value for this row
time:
h=3 m=25
